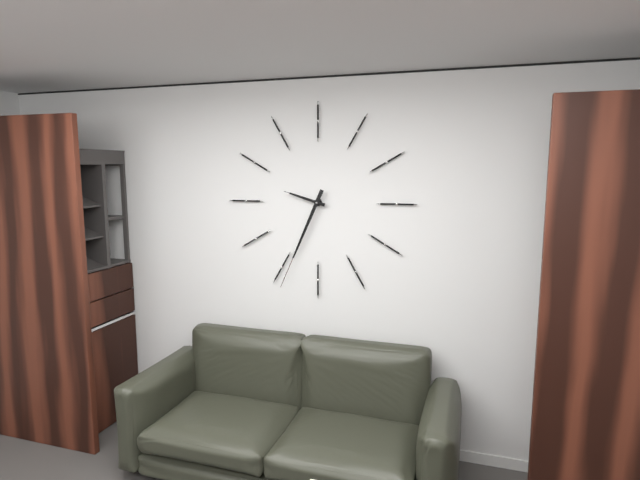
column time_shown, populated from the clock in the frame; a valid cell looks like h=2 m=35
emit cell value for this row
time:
h=9 m=34
